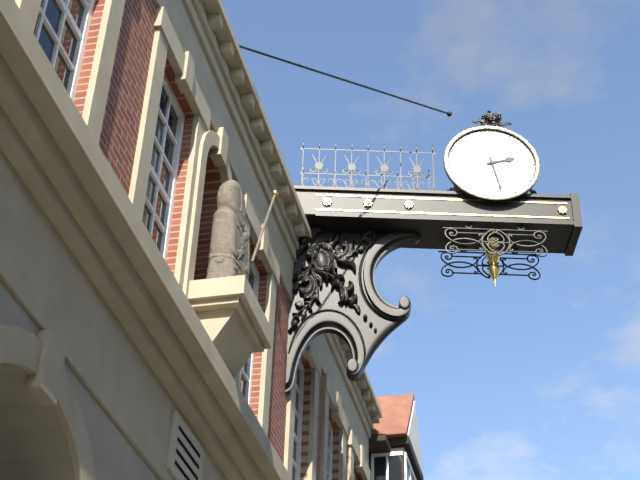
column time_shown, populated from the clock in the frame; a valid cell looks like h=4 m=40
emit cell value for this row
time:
h=2 m=28
